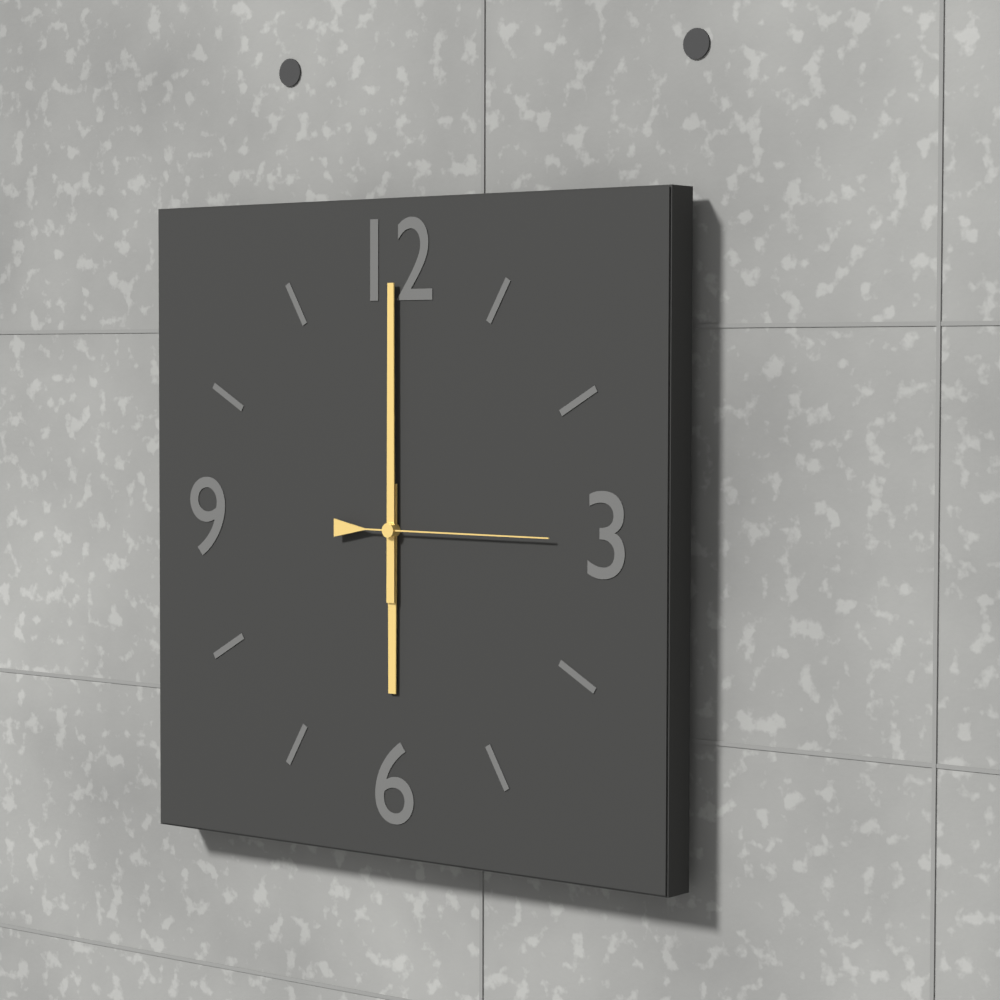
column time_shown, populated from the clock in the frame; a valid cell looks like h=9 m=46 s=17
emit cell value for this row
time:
h=6 m=0 s=15
